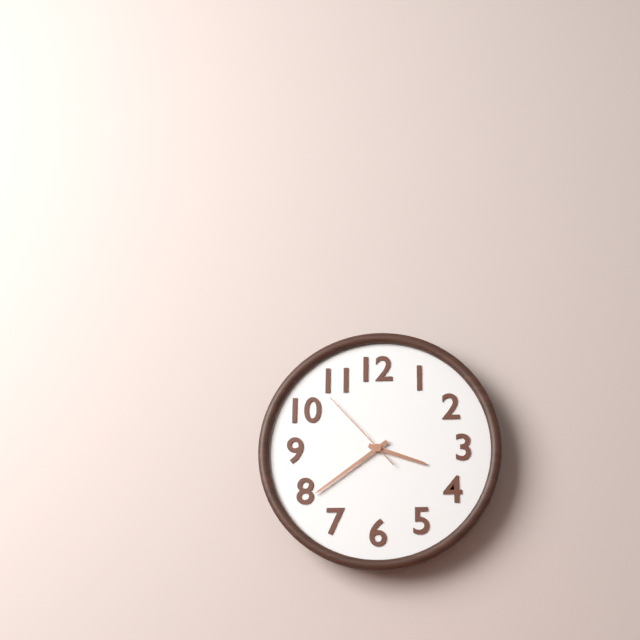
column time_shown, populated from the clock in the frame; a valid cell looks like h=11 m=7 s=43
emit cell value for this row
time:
h=3 m=39 s=53
